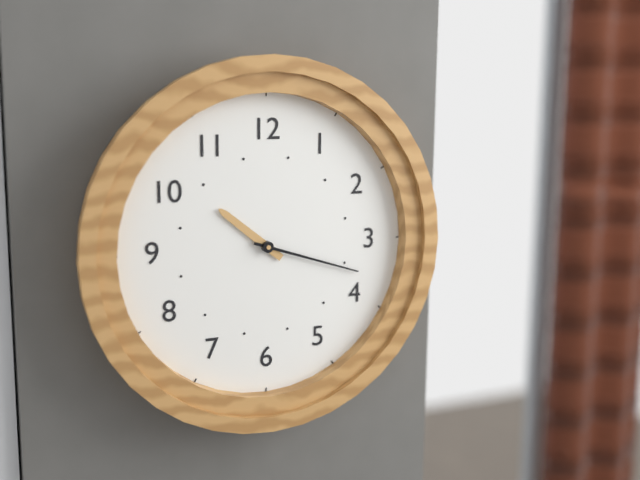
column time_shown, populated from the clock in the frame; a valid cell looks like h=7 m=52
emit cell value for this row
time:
h=10 m=18
